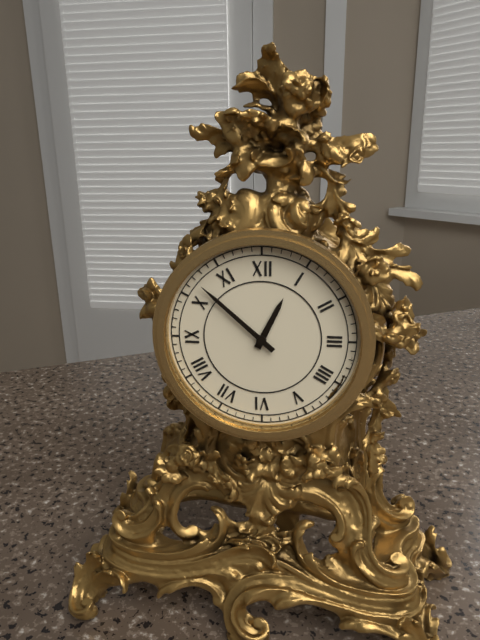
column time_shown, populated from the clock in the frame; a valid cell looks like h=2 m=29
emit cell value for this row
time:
h=12 m=52
